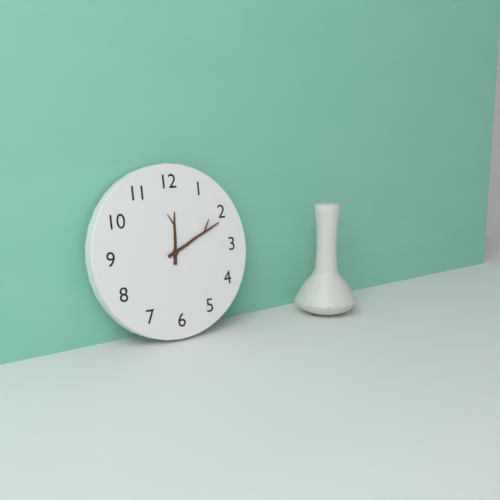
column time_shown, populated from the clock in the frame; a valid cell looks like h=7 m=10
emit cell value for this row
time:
h=12 m=11
